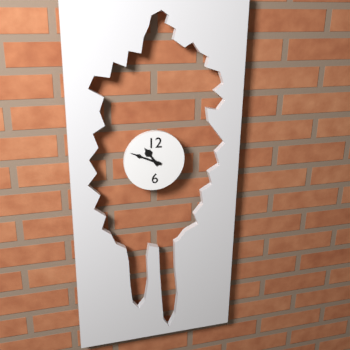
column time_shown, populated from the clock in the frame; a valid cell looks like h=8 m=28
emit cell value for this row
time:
h=10 m=49
